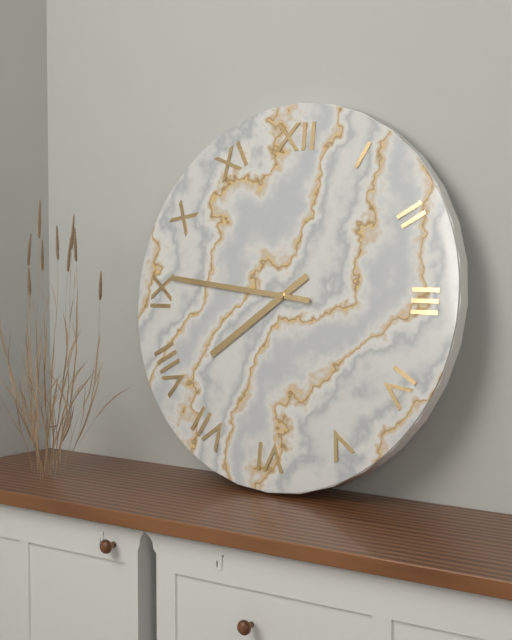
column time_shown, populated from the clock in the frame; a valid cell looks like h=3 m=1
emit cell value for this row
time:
h=7 m=46
